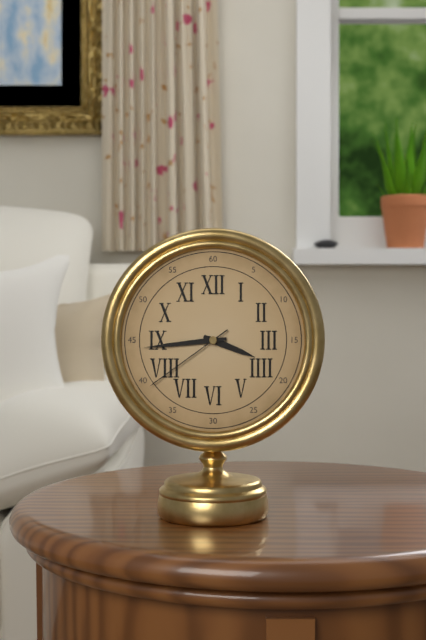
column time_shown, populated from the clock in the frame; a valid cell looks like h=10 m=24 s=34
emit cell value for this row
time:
h=3 m=44 s=39
